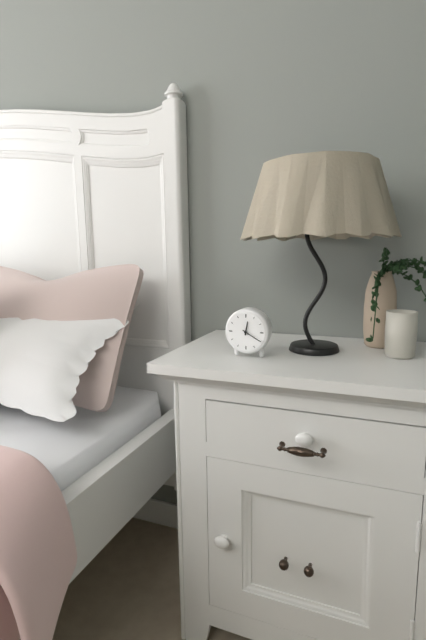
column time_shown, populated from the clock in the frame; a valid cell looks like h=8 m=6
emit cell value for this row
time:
h=12 m=20
